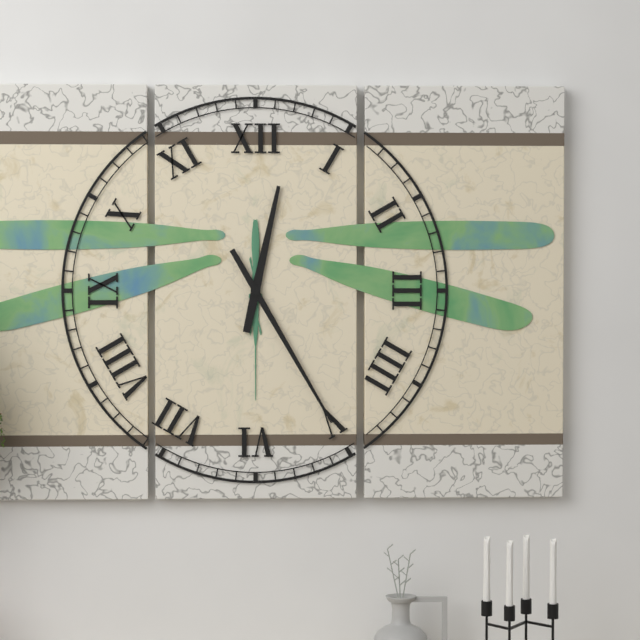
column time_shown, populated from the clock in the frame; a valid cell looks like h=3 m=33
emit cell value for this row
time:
h=12 m=25
